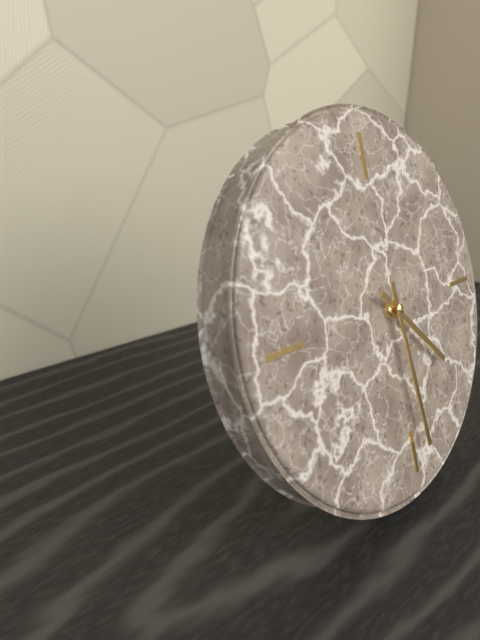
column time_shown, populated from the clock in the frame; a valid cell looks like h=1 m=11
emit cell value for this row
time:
h=4 m=29
